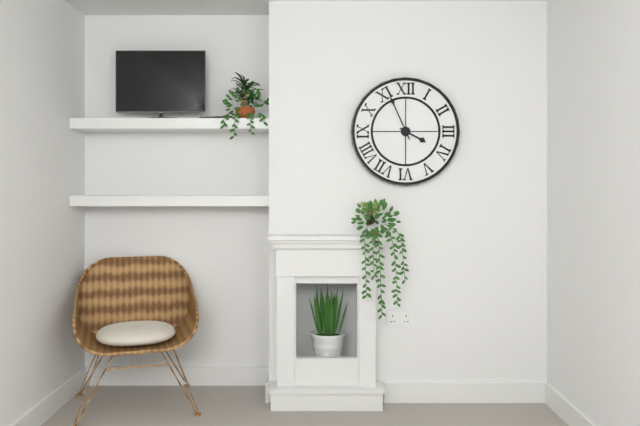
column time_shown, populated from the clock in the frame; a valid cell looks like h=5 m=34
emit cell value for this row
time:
h=3 m=56
